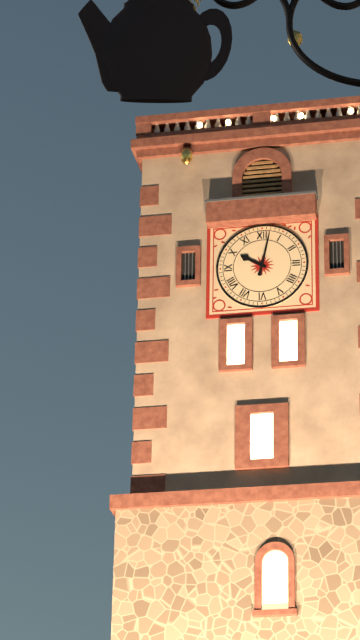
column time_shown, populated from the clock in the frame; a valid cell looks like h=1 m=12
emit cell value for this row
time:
h=10 m=2
